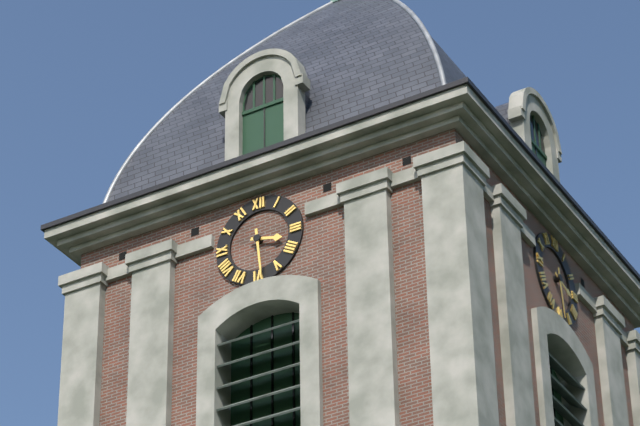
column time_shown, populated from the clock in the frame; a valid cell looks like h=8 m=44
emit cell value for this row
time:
h=3 m=29
